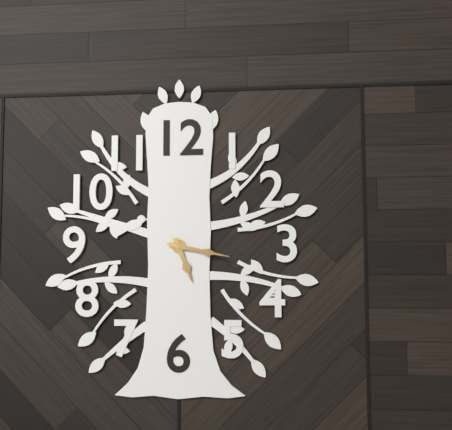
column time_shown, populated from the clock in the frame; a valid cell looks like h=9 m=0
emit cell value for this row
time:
h=5 m=17
